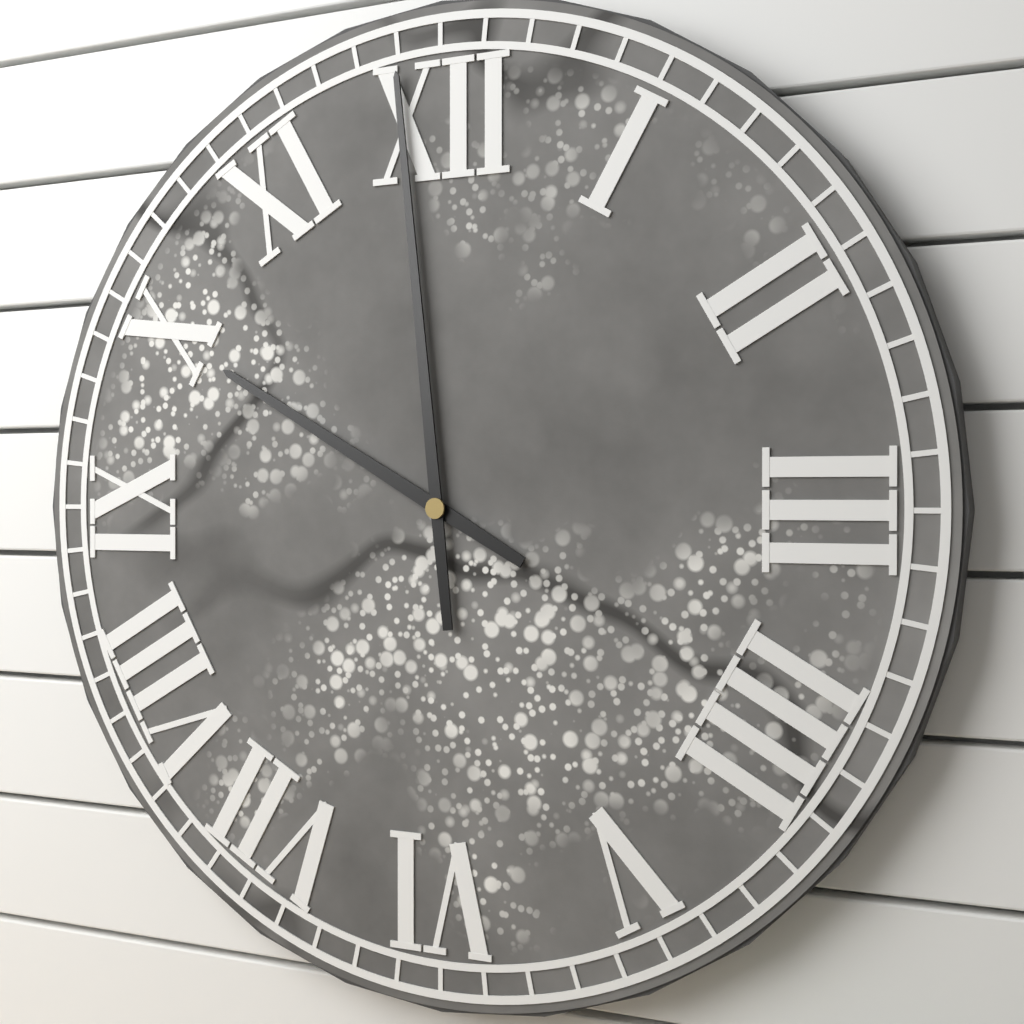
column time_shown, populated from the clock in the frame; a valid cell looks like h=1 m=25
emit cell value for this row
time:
h=9 m=59
